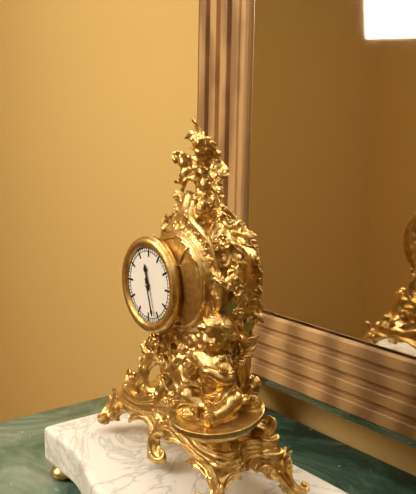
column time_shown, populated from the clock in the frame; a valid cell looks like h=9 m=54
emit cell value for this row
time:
h=11 m=27
